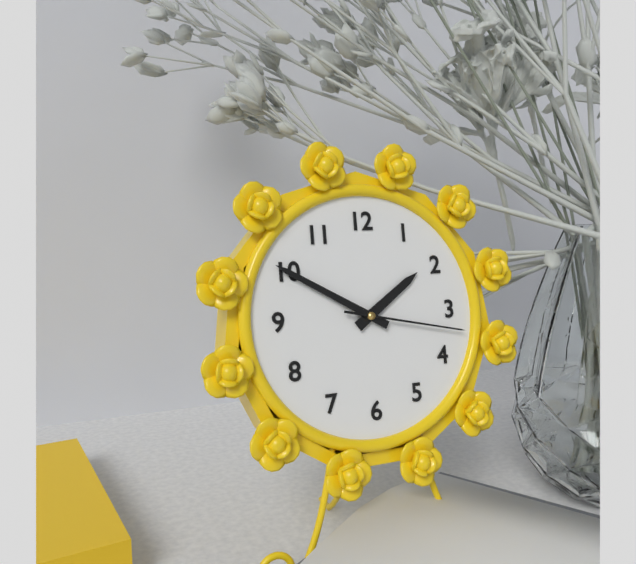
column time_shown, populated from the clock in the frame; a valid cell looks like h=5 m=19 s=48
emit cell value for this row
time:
h=1 m=50 s=17
